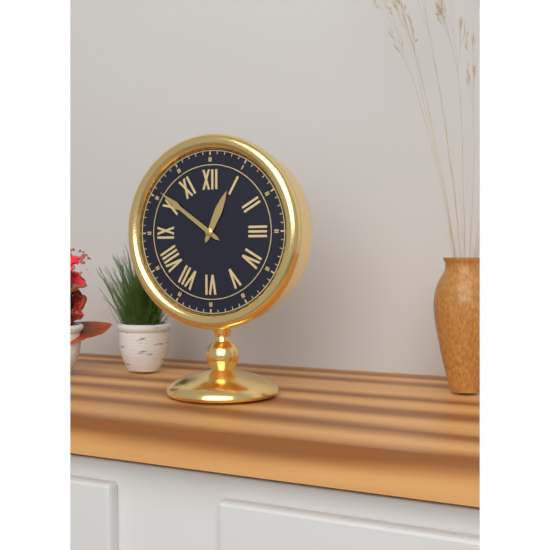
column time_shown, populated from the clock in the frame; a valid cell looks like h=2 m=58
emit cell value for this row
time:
h=12 m=51
